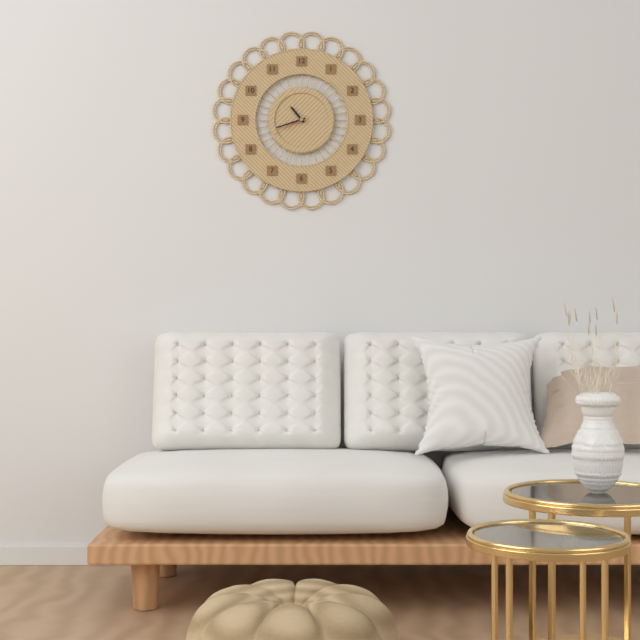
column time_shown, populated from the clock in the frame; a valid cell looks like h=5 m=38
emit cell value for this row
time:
h=10 m=42
